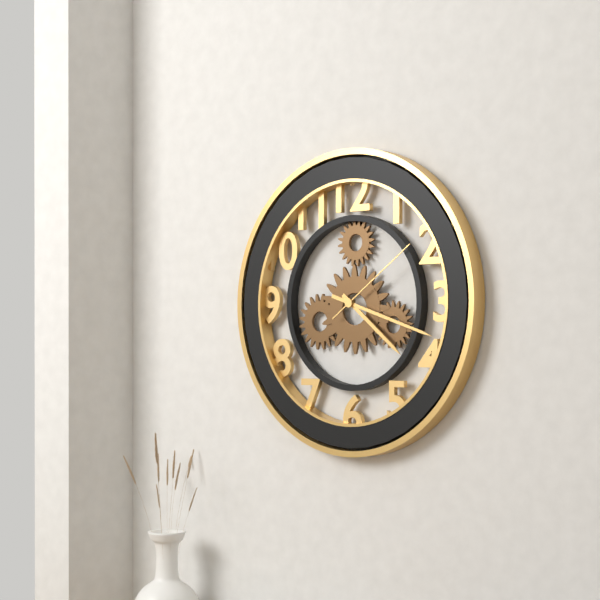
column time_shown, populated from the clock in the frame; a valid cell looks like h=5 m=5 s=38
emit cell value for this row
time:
h=4 m=18 s=9
